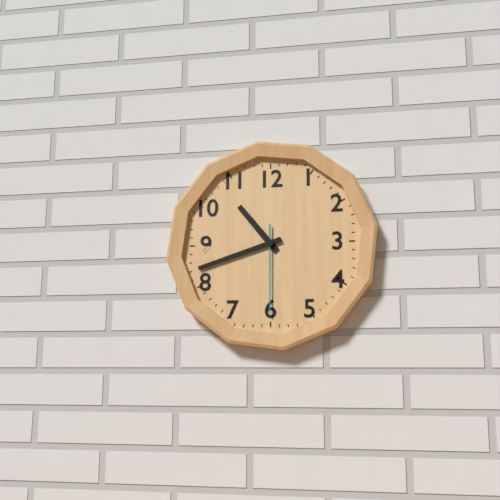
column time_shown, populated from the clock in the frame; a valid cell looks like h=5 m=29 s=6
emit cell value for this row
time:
h=10 m=42 s=30
